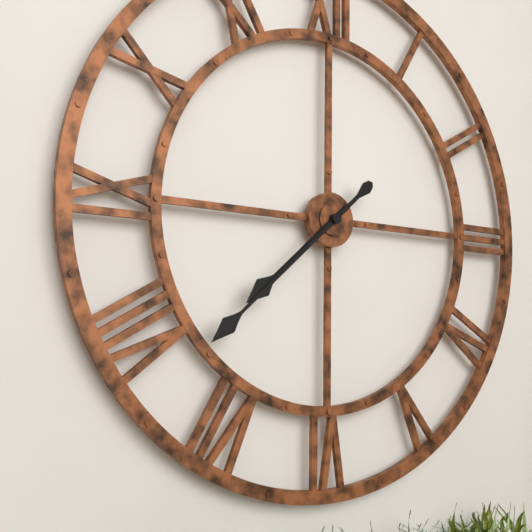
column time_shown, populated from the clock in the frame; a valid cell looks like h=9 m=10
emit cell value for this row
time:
h=7 m=38
